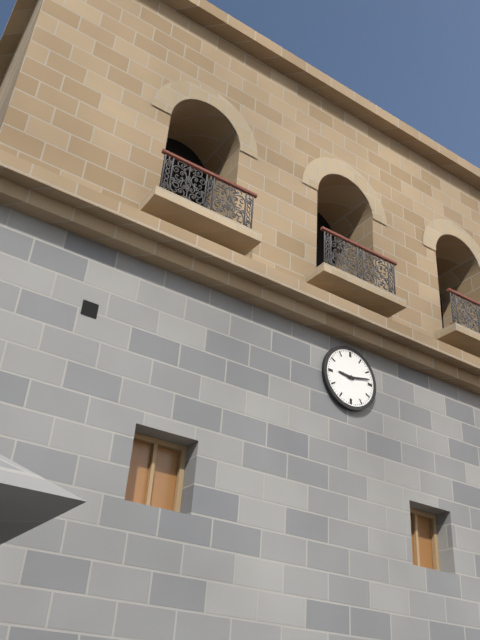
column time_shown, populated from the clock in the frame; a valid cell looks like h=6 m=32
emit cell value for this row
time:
h=9 m=13
